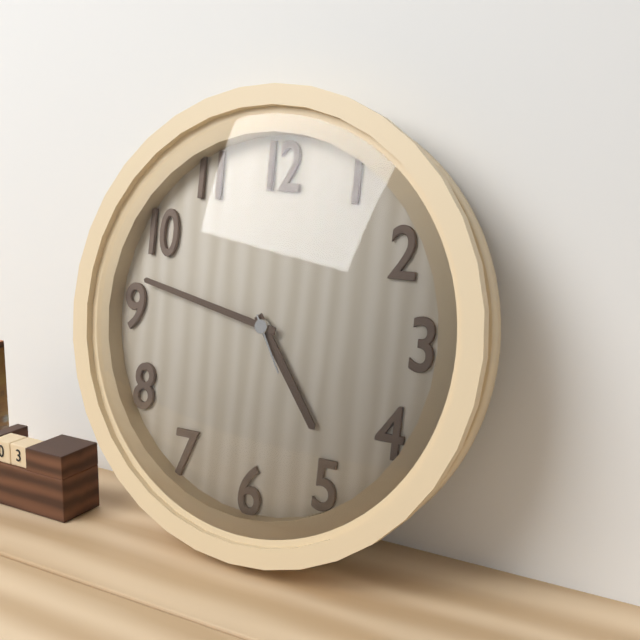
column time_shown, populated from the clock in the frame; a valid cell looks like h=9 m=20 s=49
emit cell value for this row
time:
h=4 m=47 s=25
